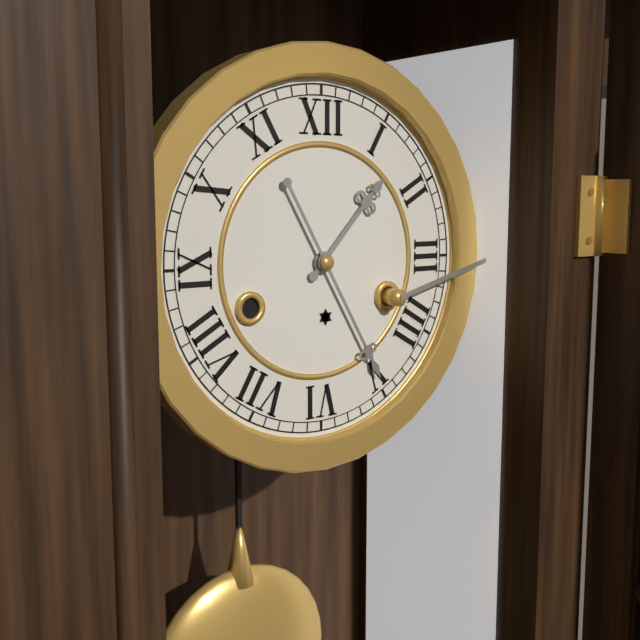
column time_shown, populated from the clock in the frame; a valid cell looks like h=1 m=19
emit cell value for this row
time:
h=1 m=25
